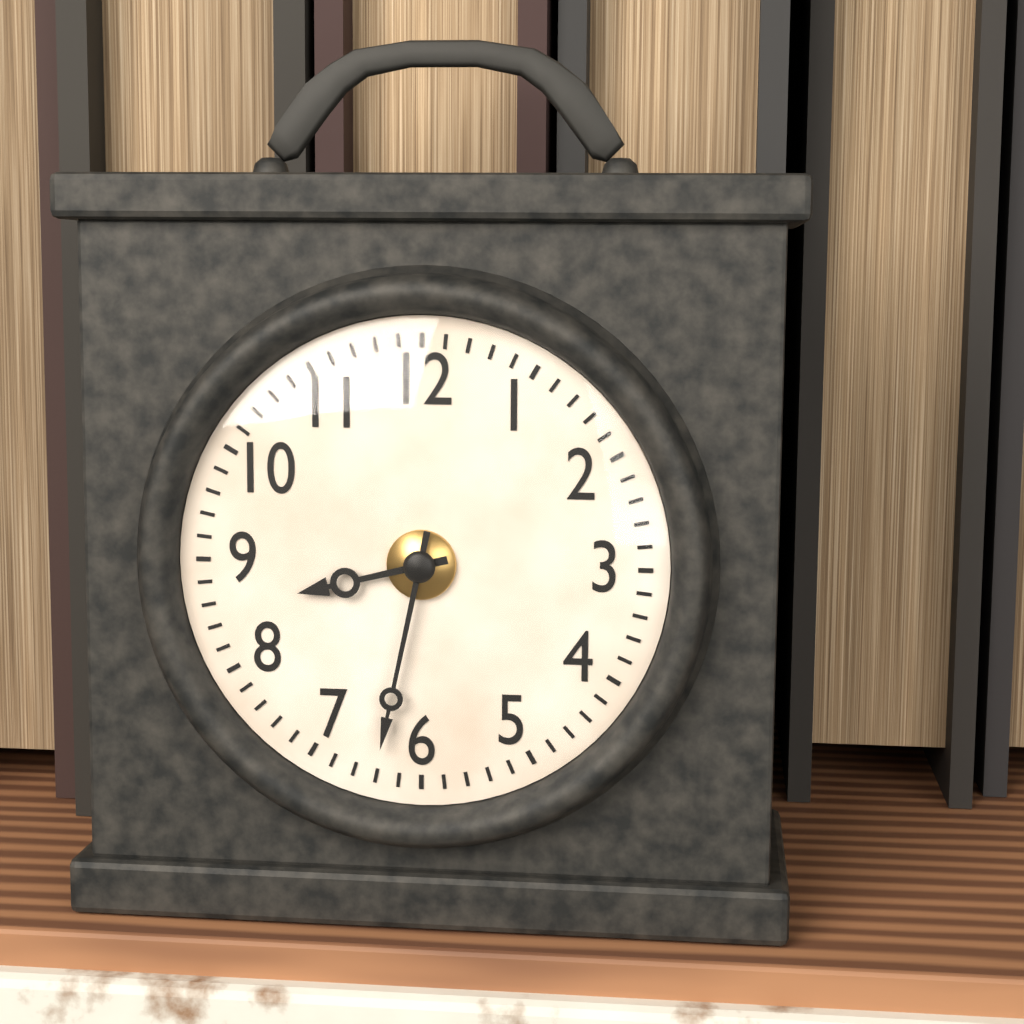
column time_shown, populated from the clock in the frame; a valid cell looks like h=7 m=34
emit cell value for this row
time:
h=8 m=32
